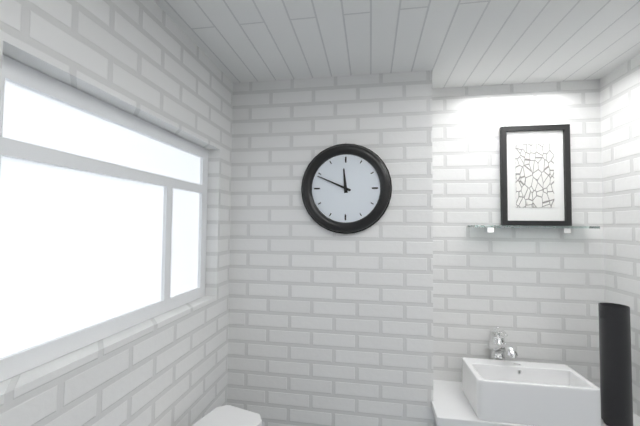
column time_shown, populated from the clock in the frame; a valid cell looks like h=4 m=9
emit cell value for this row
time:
h=11 m=49
